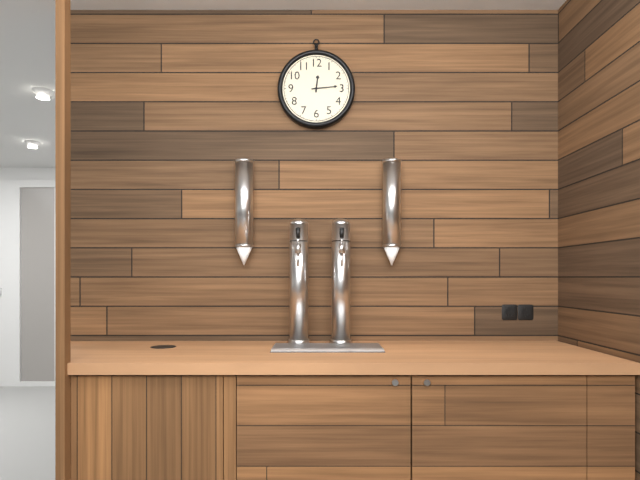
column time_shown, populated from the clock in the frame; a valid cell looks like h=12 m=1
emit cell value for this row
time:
h=12 m=14
